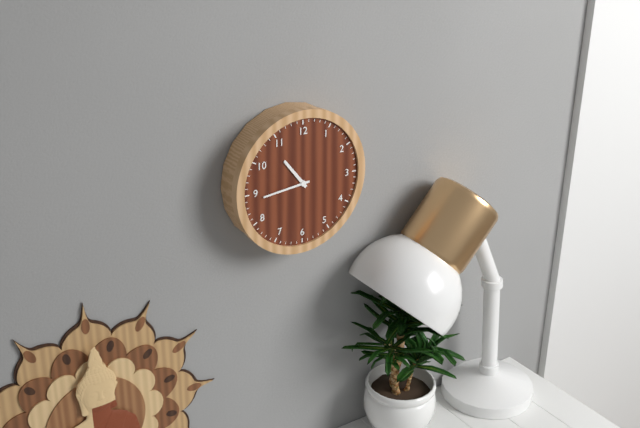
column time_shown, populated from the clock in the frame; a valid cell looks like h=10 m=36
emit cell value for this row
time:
h=10 m=44
